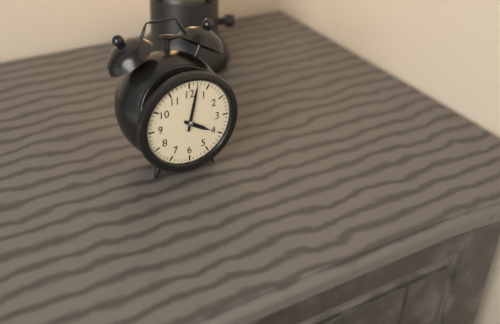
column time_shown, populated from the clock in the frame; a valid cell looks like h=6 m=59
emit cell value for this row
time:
h=4 m=2
